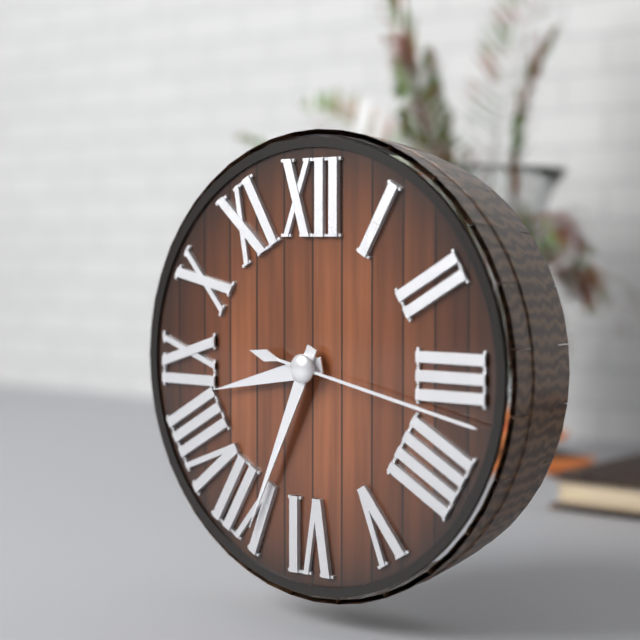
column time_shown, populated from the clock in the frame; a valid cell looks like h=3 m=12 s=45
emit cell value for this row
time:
h=8 m=34 s=17
